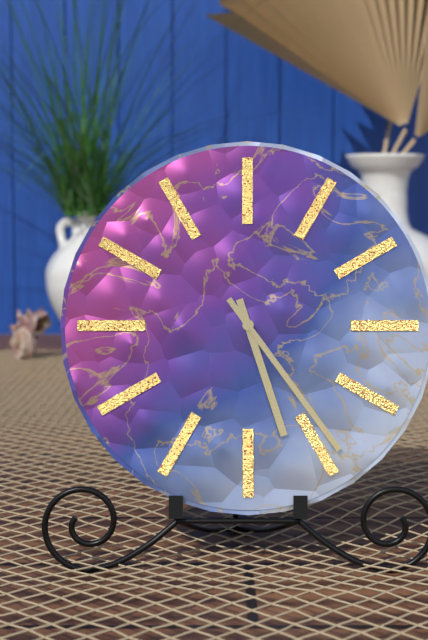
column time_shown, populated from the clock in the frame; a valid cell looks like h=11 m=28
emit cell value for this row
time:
h=5 m=24
